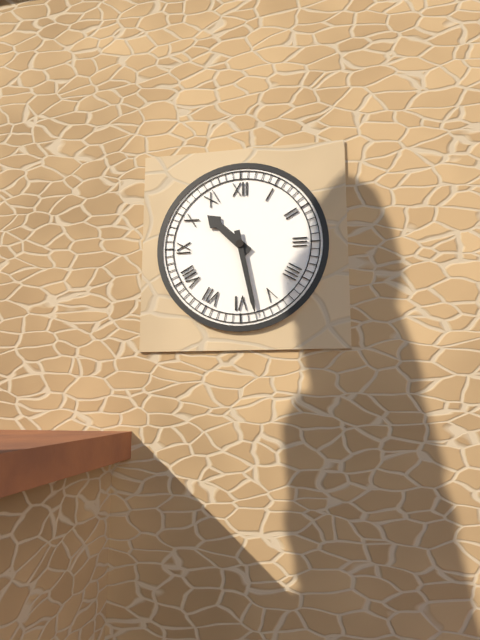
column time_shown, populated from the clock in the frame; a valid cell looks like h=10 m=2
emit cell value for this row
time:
h=10 m=28
